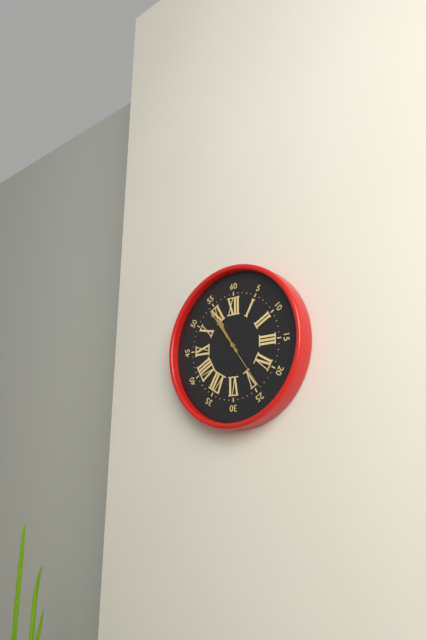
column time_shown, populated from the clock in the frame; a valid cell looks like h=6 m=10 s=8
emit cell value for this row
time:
h=10 m=54 s=24
